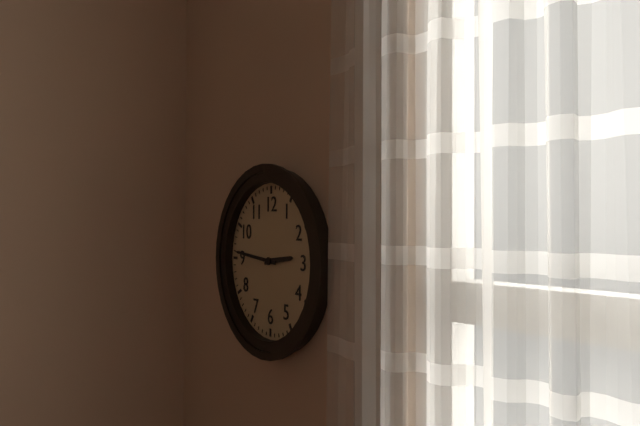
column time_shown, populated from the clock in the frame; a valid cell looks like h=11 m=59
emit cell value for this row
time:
h=2 m=46
